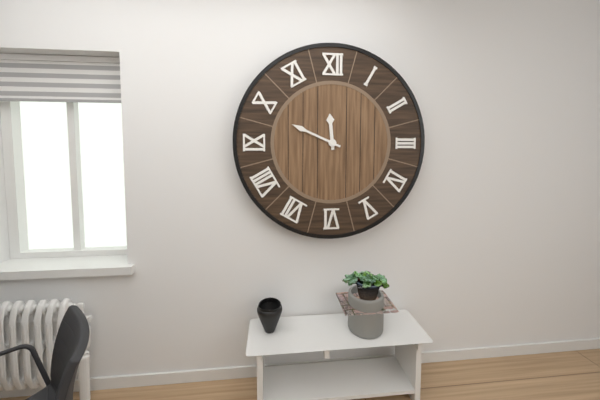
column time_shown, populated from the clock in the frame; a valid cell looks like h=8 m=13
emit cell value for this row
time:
h=11 m=49
